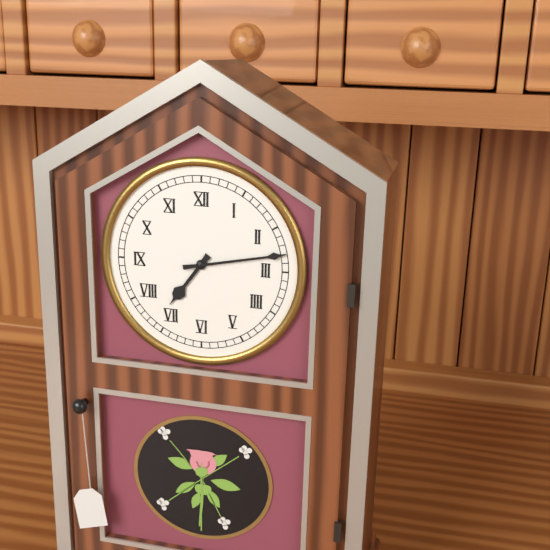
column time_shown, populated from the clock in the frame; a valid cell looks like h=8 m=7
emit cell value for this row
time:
h=7 m=13
